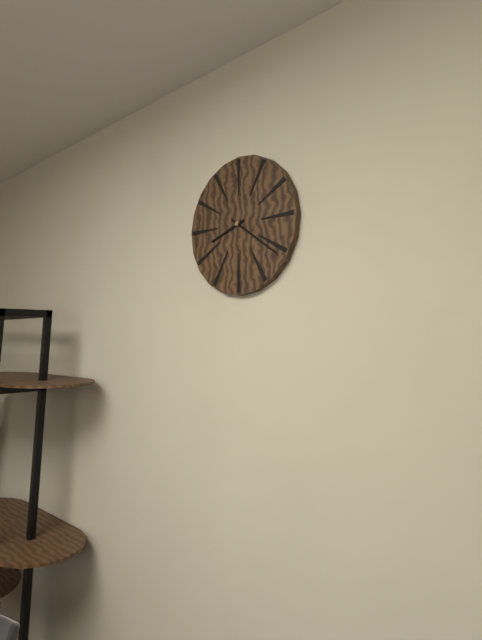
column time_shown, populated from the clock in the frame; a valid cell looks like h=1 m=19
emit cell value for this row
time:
h=8 m=21
